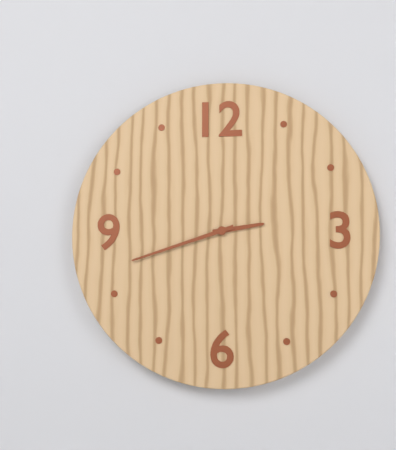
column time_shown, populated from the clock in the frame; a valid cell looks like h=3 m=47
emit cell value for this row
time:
h=2 m=42
